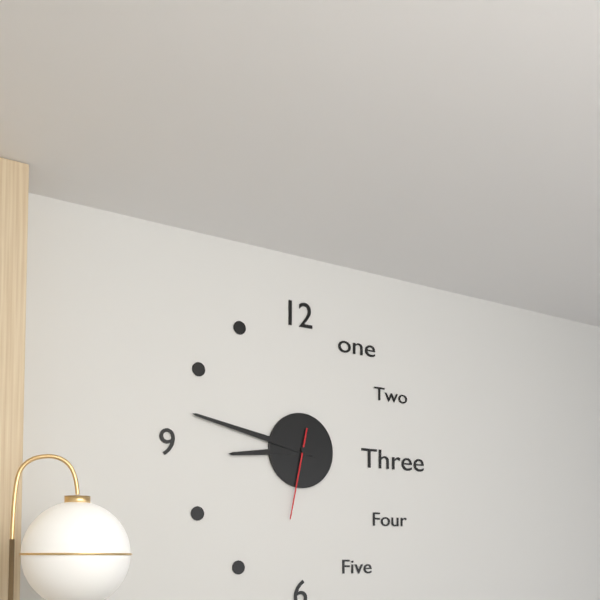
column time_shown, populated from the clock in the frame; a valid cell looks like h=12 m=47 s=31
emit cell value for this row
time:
h=8 m=47 s=32
